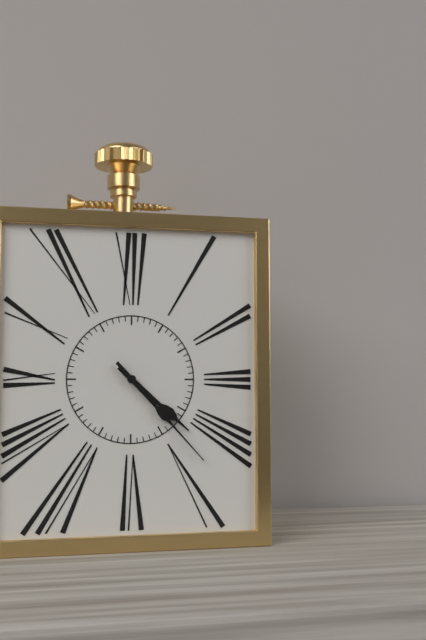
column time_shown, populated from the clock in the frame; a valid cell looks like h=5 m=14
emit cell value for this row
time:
h=4 m=23
